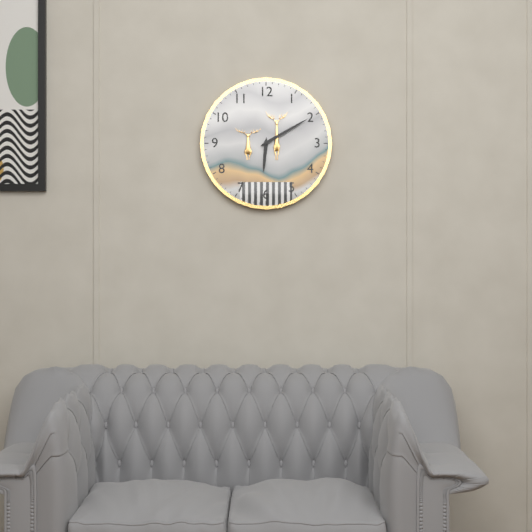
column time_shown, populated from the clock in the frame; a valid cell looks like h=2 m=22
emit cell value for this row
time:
h=6 m=10
